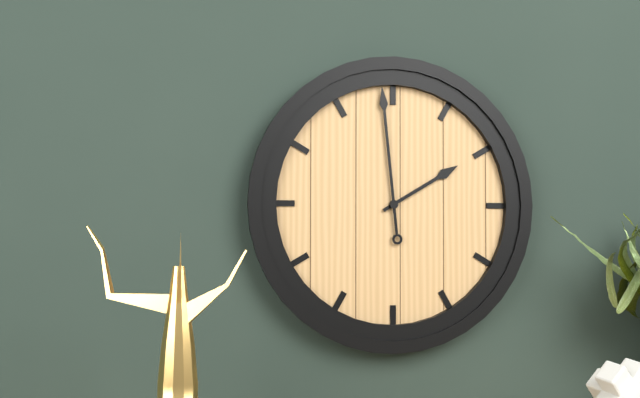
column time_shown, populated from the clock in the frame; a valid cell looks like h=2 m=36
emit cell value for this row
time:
h=1 m=59
